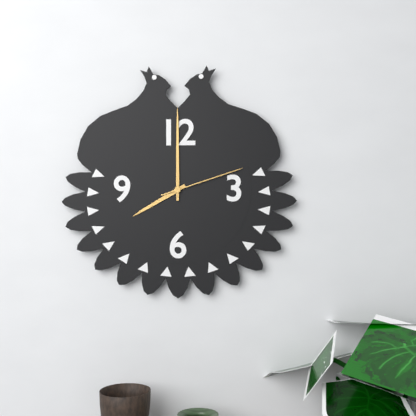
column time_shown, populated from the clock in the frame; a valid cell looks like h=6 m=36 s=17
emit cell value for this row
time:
h=8 m=0 s=12
